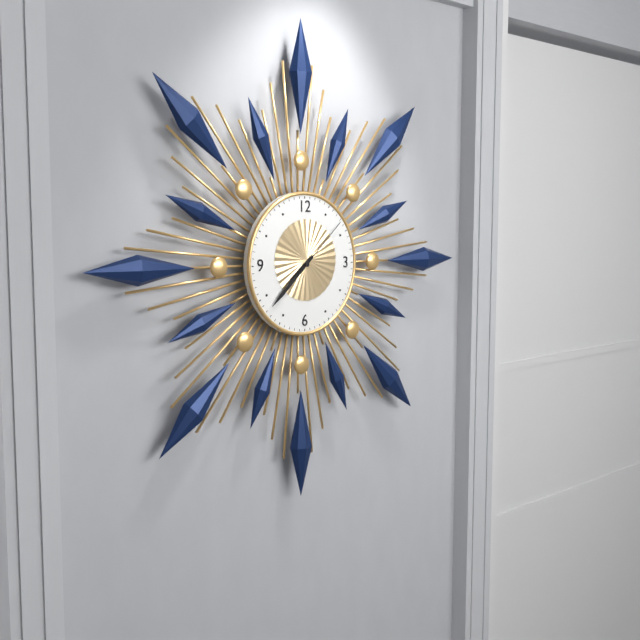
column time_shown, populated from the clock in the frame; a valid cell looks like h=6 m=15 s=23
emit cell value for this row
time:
h=7 m=38 s=8
